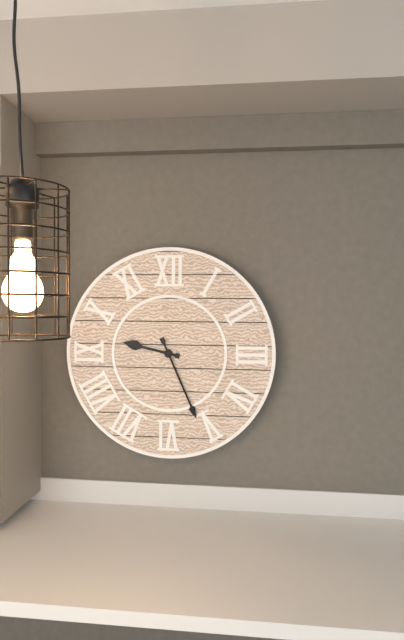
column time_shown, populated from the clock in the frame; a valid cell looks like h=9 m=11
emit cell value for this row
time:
h=9 m=26
